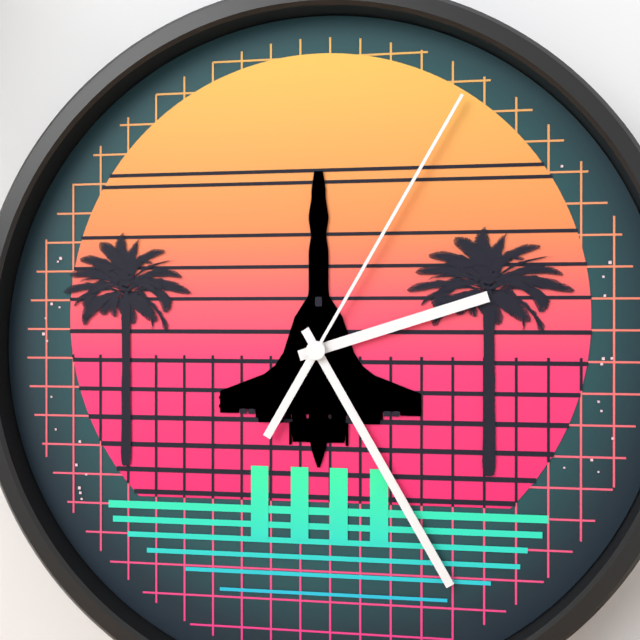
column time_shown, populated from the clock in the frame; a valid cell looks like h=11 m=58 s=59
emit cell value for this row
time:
h=2 m=25 s=5
